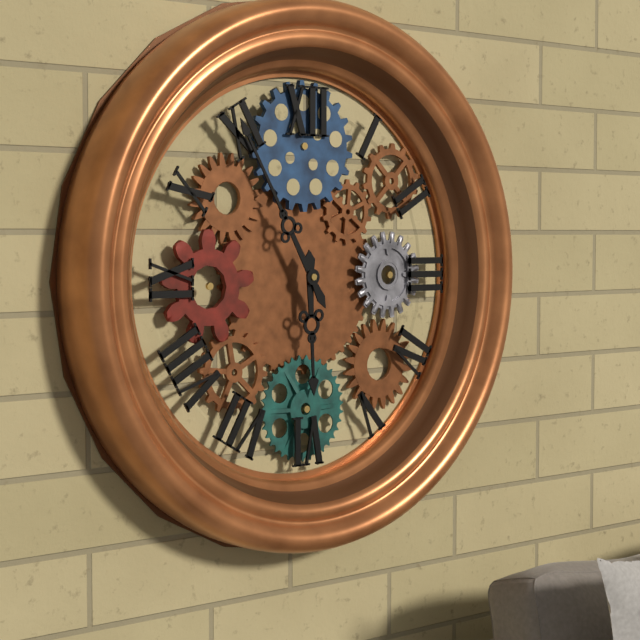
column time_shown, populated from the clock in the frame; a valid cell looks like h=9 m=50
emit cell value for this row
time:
h=5 m=55
